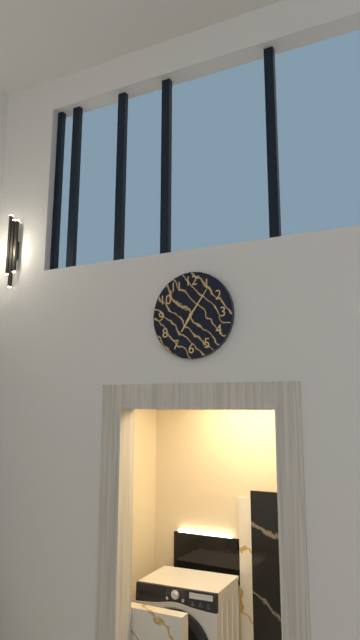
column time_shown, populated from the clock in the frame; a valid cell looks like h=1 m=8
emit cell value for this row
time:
h=7 m=6
